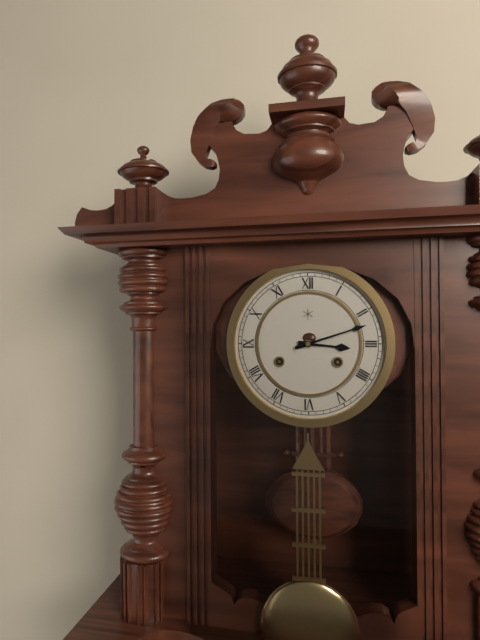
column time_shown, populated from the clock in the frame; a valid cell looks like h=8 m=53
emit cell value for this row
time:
h=3 m=12
